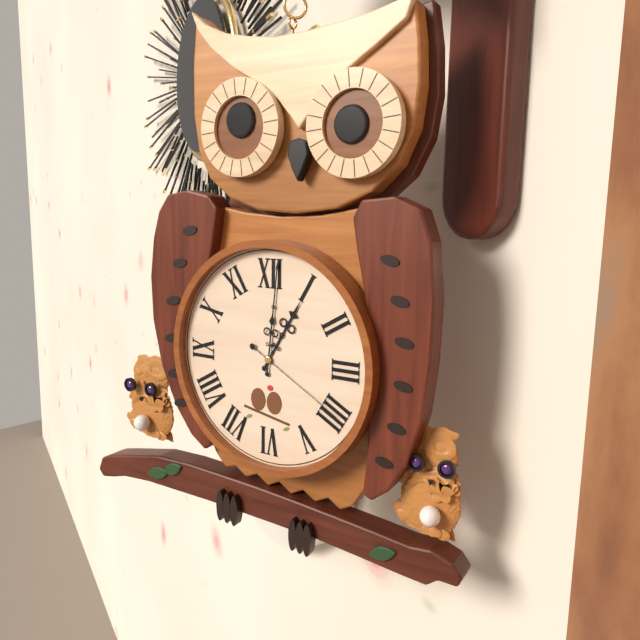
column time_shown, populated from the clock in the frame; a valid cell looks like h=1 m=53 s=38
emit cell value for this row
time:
h=1 m=1 s=20
